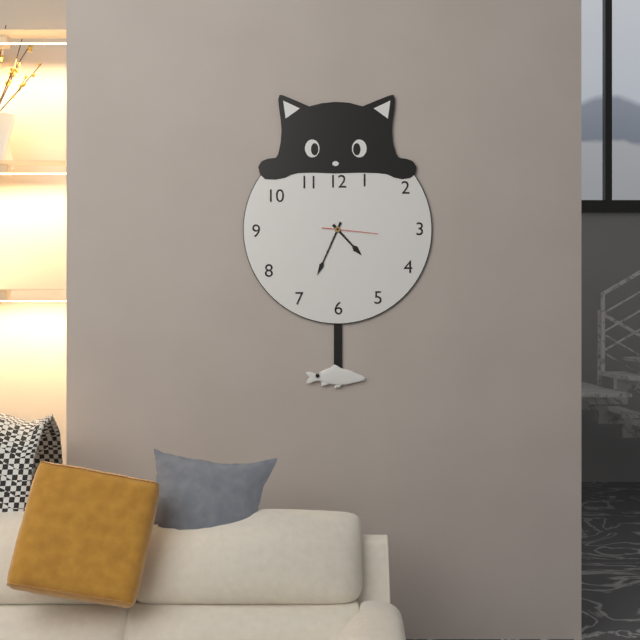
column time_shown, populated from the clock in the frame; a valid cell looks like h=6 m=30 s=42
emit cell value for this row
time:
h=4 m=34 s=16
